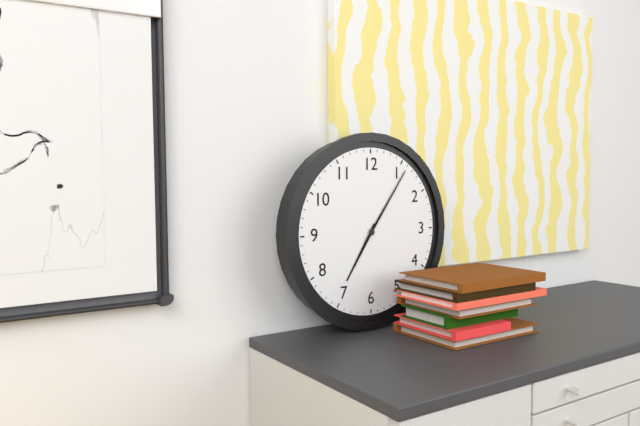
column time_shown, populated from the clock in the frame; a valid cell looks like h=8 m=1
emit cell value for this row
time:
h=7 m=6
